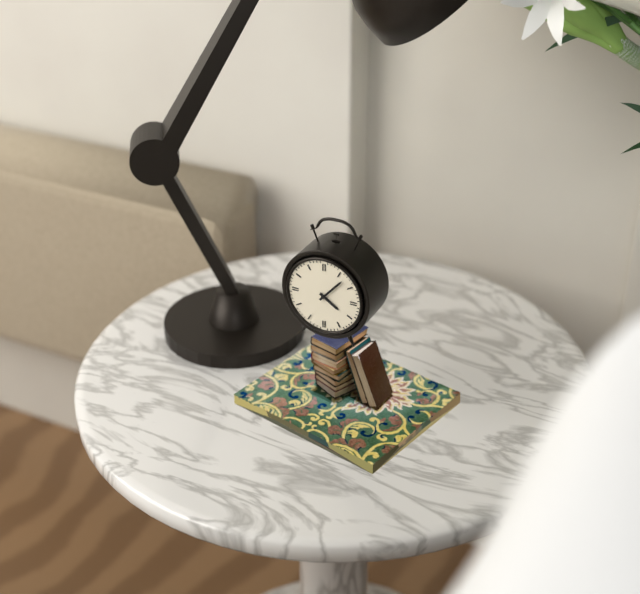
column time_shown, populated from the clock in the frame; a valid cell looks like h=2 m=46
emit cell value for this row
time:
h=4 m=7
